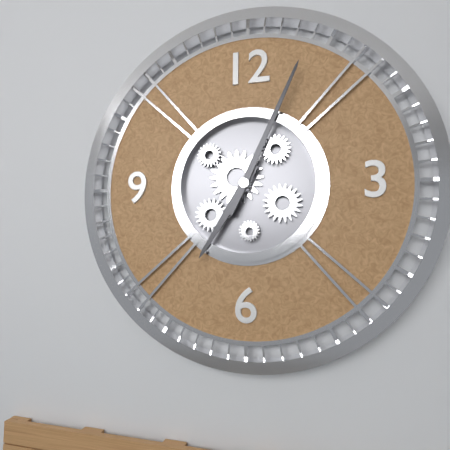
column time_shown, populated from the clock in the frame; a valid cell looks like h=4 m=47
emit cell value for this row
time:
h=7 m=4
